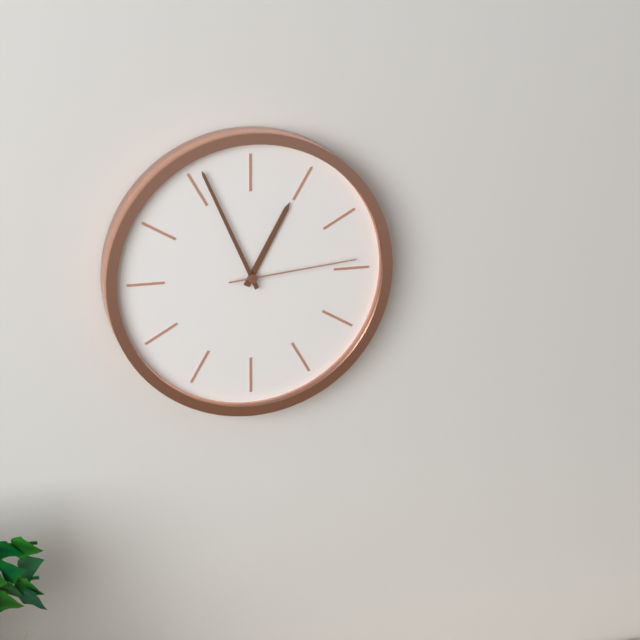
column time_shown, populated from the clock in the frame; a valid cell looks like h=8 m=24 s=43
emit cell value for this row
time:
h=12 m=56 s=14
